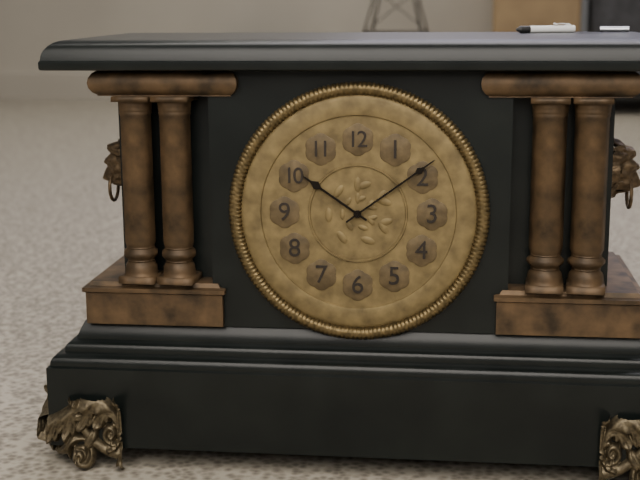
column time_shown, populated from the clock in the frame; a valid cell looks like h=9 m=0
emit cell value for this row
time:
h=10 m=9
